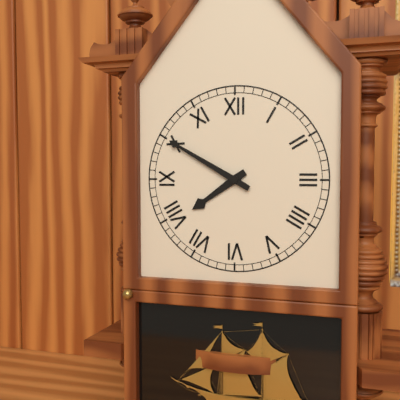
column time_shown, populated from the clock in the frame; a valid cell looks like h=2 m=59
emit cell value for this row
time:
h=7 m=50
